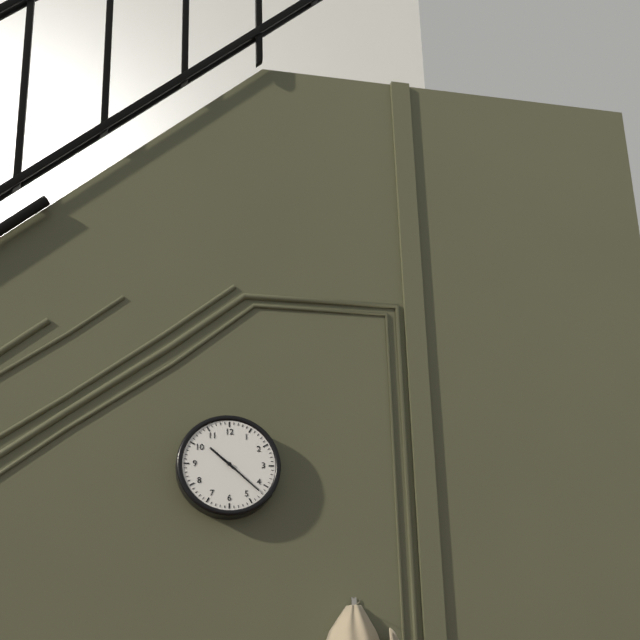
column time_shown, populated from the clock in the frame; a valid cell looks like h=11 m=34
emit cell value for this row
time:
h=10 m=22
